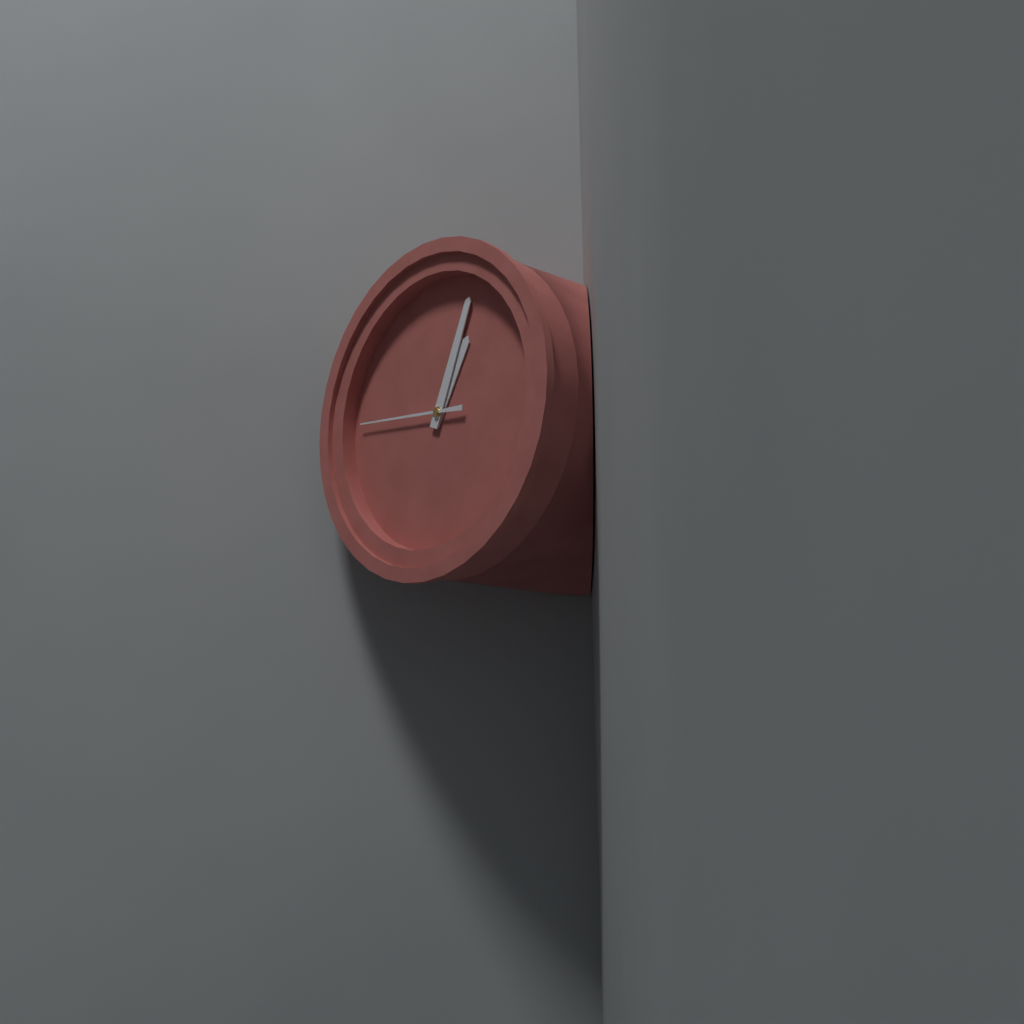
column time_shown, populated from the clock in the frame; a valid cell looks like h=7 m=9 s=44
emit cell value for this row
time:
h=1 m=4 s=46
